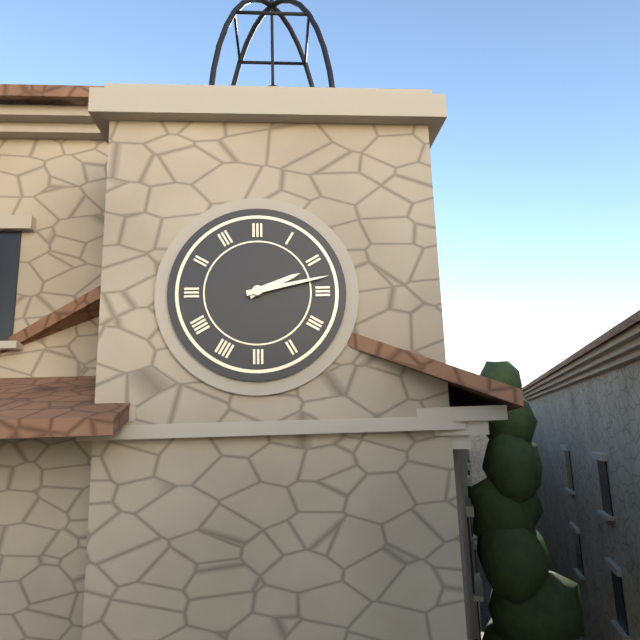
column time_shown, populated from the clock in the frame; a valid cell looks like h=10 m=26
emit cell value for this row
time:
h=2 m=13
